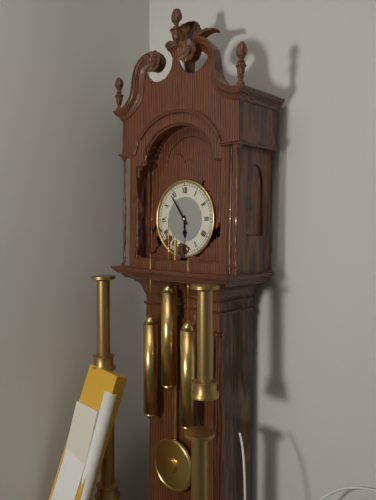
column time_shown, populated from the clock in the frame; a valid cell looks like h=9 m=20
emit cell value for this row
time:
h=5 m=54
